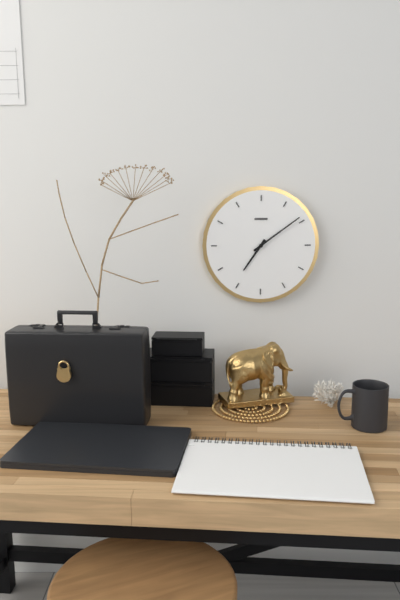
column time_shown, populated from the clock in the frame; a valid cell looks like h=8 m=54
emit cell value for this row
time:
h=7 m=9
